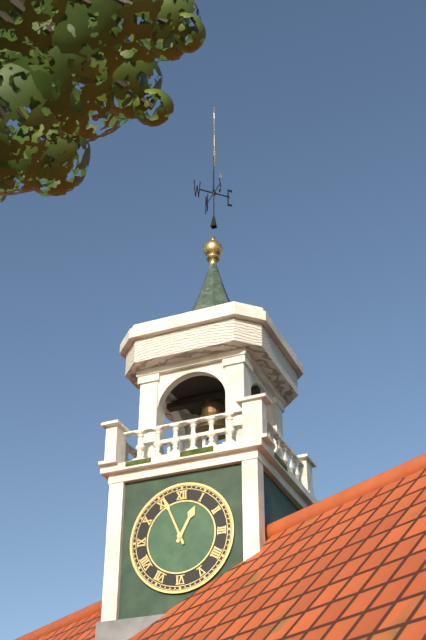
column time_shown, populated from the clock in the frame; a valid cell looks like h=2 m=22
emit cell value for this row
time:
h=12 m=56
